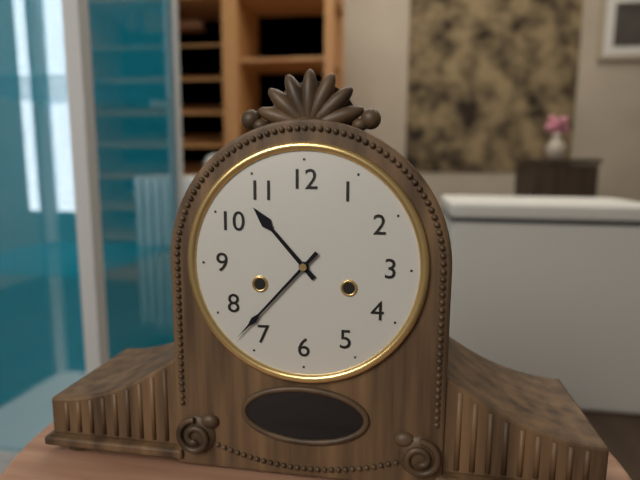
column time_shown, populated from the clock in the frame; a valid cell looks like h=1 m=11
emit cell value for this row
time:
h=10 m=37
